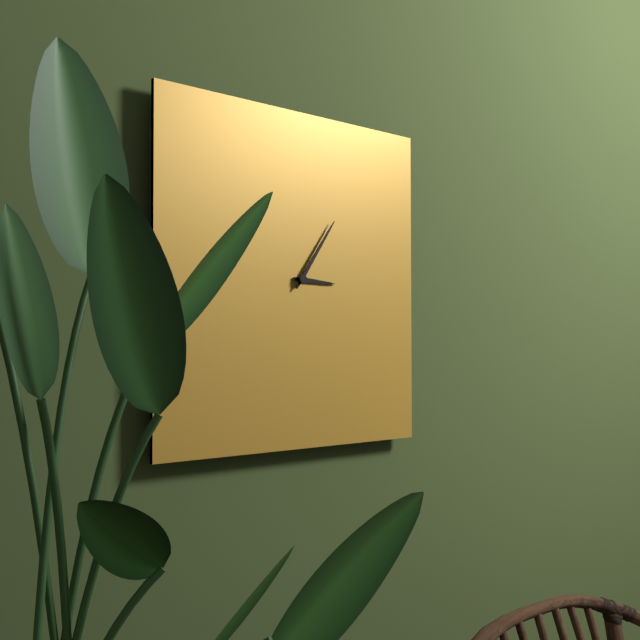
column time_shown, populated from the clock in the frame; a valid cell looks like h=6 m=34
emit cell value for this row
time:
h=3 m=6
